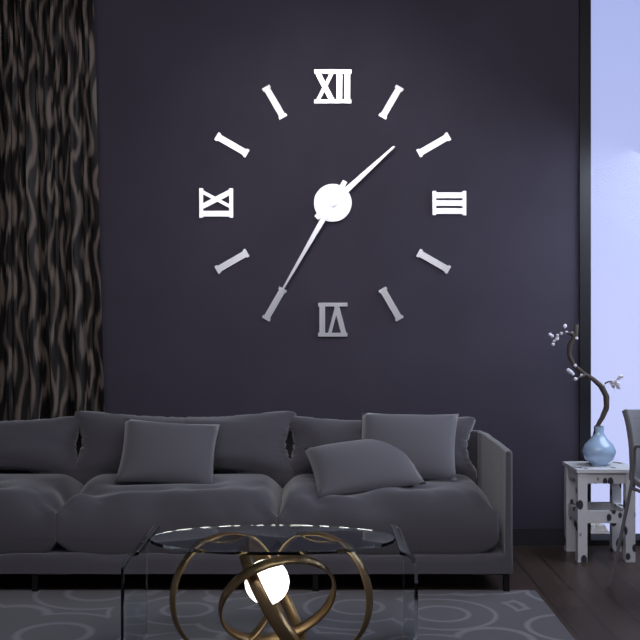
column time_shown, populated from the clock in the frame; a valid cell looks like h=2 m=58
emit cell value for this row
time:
h=1 m=35
